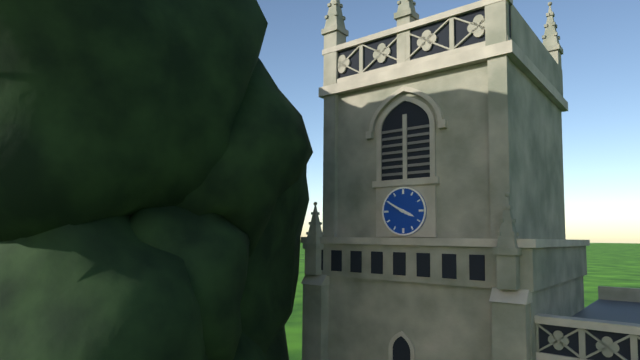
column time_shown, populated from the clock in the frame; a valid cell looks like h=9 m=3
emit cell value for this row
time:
h=3 m=50
